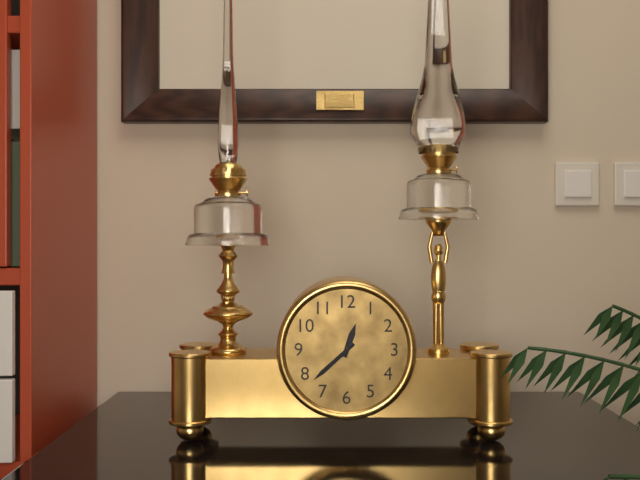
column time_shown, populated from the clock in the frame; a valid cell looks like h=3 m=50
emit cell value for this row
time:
h=12 m=38
